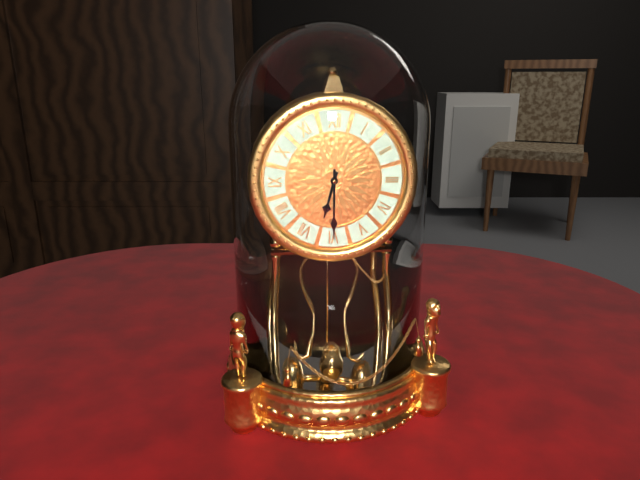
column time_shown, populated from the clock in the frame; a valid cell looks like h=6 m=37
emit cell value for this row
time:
h=6 m=30
